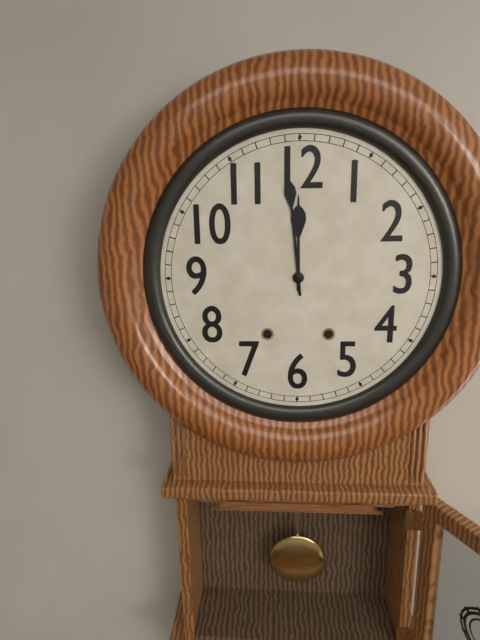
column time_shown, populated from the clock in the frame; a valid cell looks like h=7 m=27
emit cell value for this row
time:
h=11 m=59
